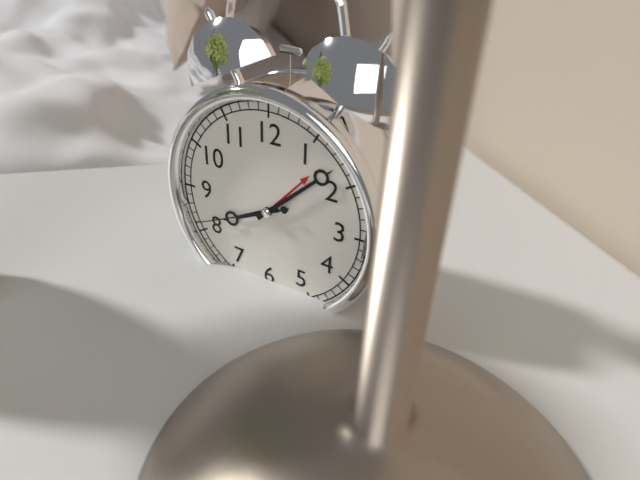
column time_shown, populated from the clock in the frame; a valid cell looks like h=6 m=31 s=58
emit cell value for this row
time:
h=8 m=8 s=41
